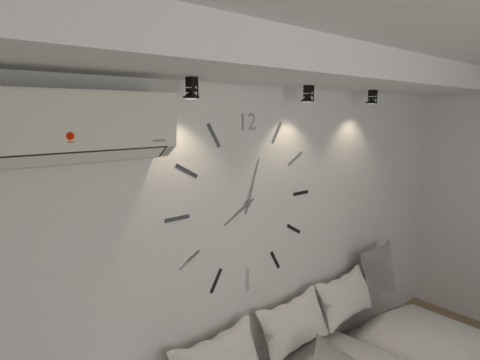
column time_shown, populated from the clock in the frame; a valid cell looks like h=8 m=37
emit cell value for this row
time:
h=8 m=3
